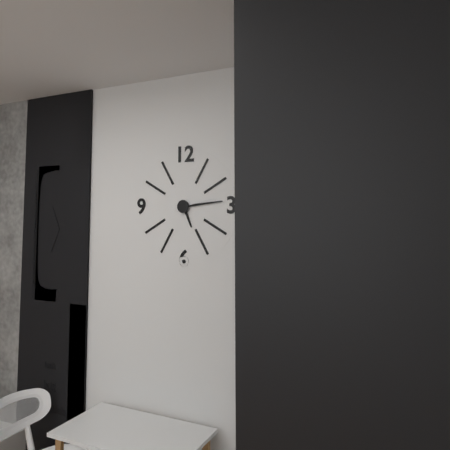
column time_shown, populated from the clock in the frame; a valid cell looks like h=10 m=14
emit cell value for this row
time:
h=5 m=14
